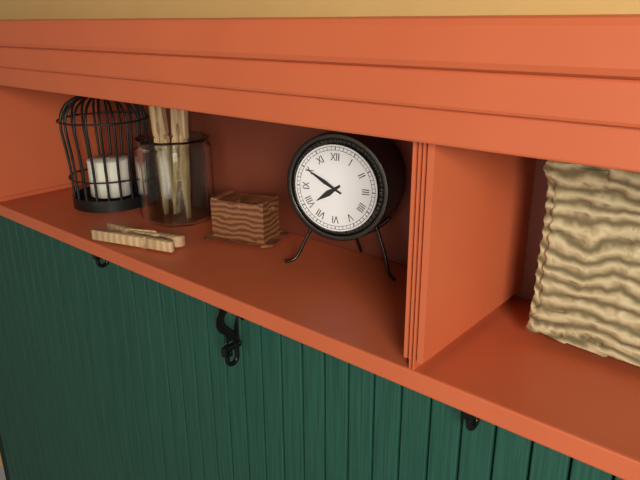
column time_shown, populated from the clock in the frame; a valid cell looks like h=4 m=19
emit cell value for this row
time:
h=7 m=50
